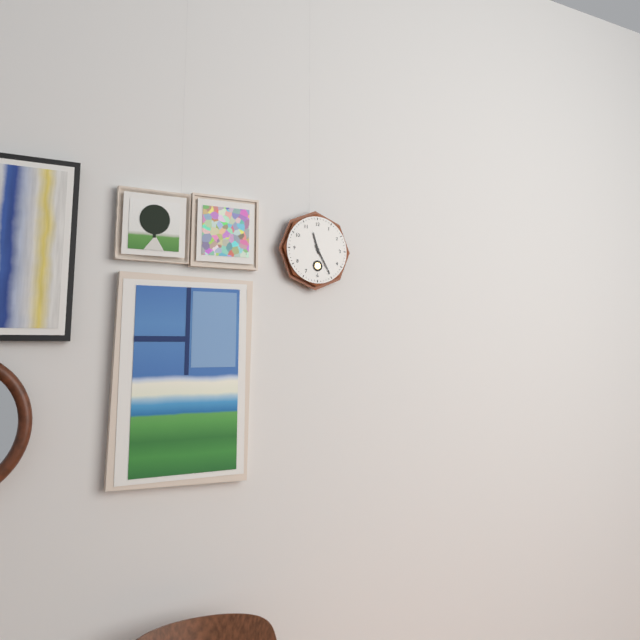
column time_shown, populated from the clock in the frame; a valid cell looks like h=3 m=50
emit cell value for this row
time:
h=11 m=25
